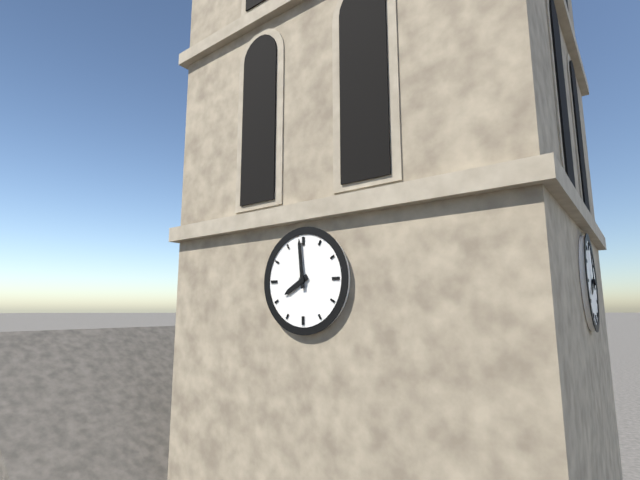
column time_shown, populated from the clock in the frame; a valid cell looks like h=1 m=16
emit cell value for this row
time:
h=7 m=59
